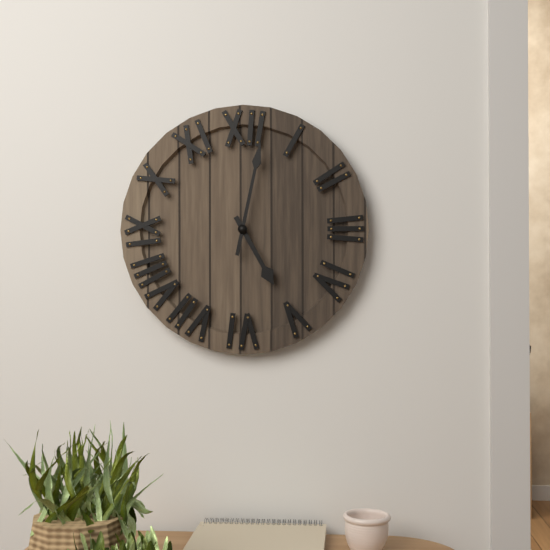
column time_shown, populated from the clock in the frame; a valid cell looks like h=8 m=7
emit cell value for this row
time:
h=5 m=2
